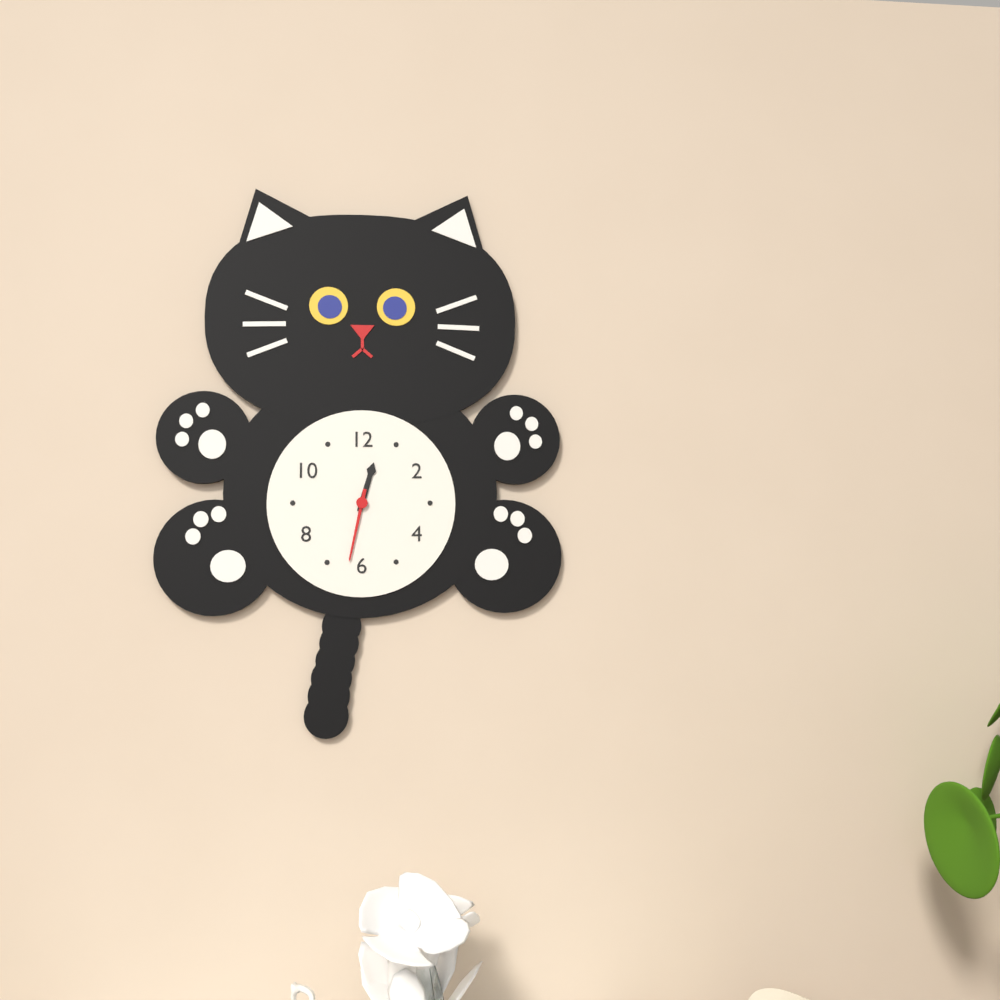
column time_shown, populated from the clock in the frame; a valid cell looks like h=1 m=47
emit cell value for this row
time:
h=12 m=32
